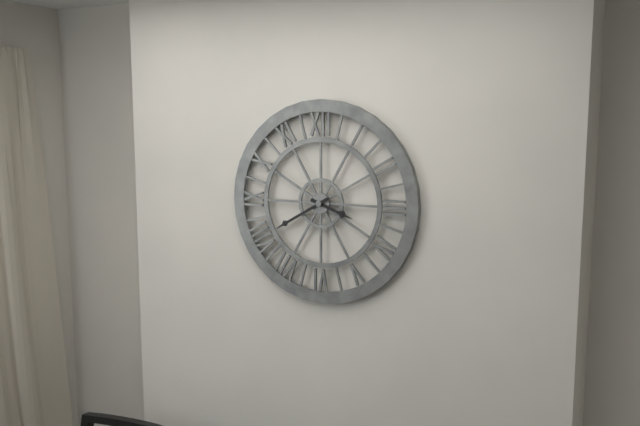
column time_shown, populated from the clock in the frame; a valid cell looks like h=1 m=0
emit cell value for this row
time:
h=3 m=40
